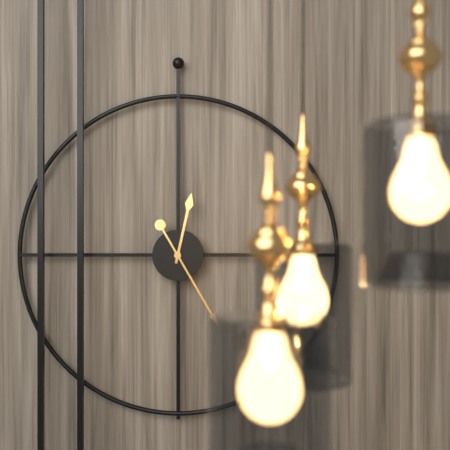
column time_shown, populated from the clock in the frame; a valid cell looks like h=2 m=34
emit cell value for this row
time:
h=12 m=25
